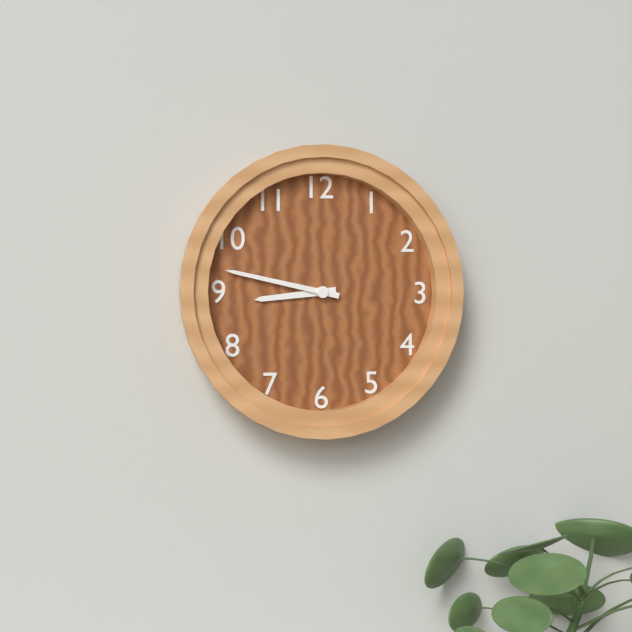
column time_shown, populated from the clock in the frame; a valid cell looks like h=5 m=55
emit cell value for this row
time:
h=8 m=47
